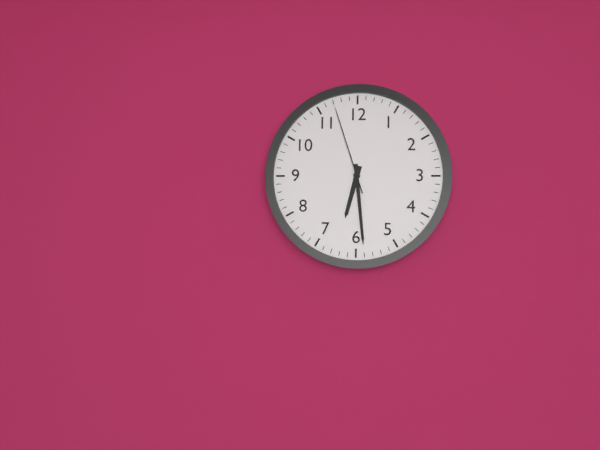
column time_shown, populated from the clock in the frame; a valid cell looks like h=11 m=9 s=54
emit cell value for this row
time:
h=6 m=29 s=57
